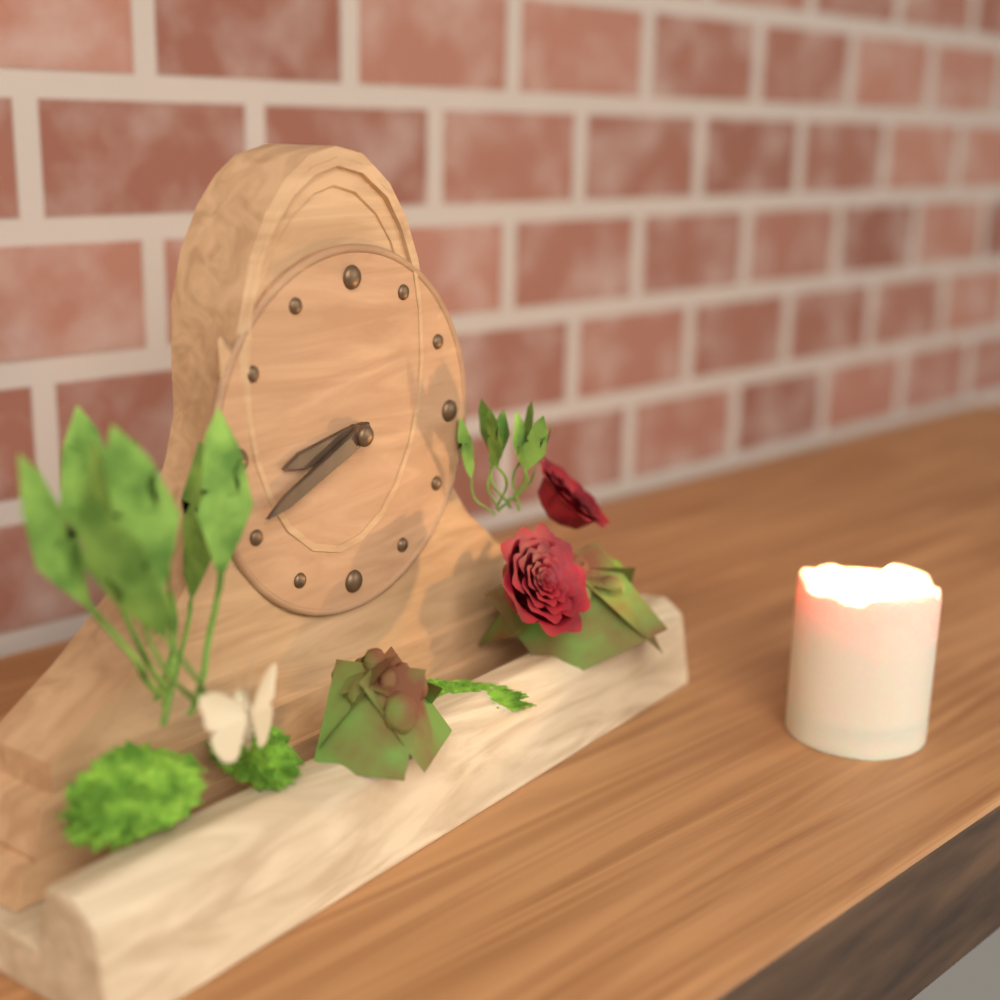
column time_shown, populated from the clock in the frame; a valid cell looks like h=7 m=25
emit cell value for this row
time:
h=8 m=41
